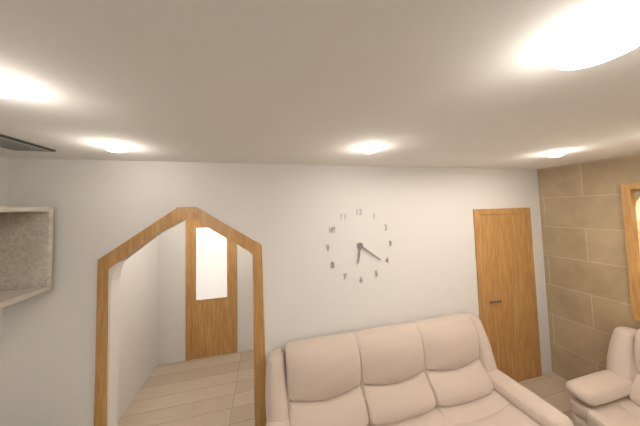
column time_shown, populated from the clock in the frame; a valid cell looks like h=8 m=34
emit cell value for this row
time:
h=6 m=21
